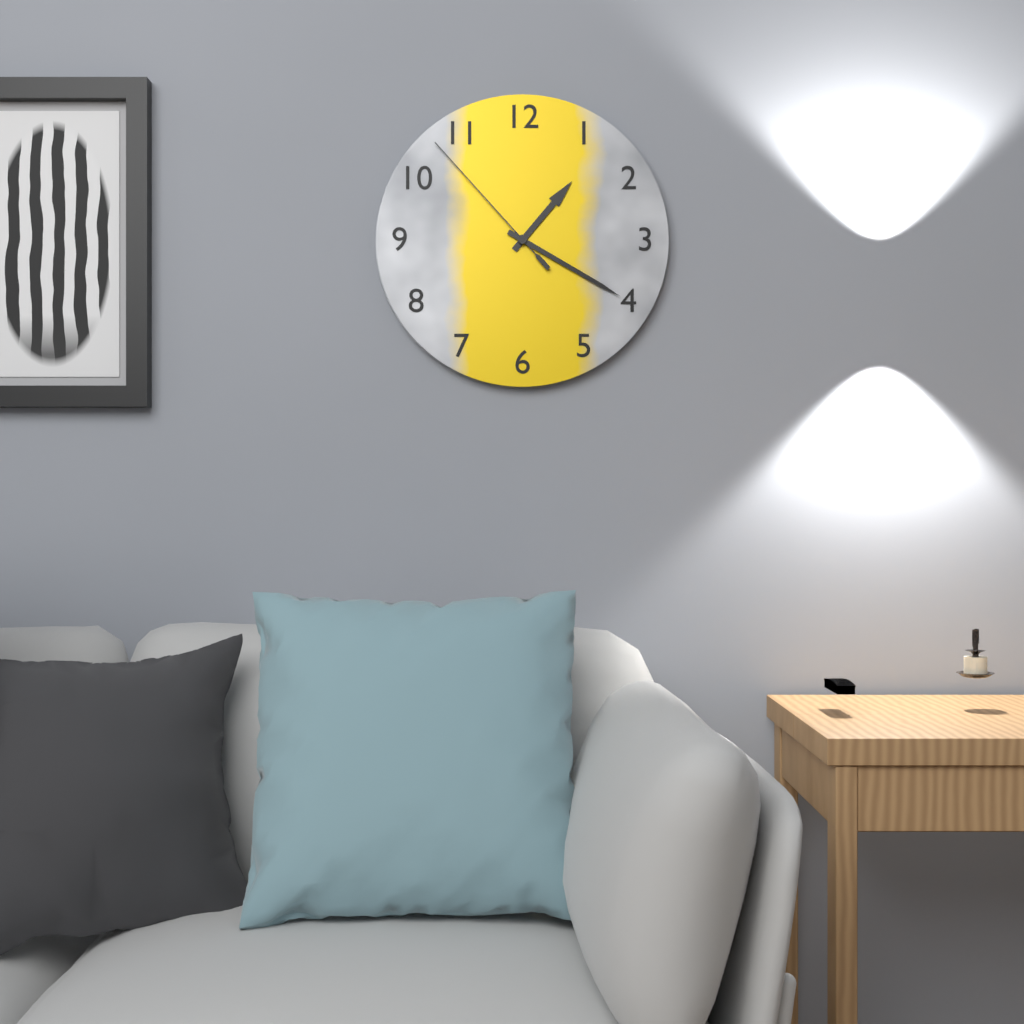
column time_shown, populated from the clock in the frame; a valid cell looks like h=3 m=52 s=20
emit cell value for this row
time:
h=1 m=20 s=53
